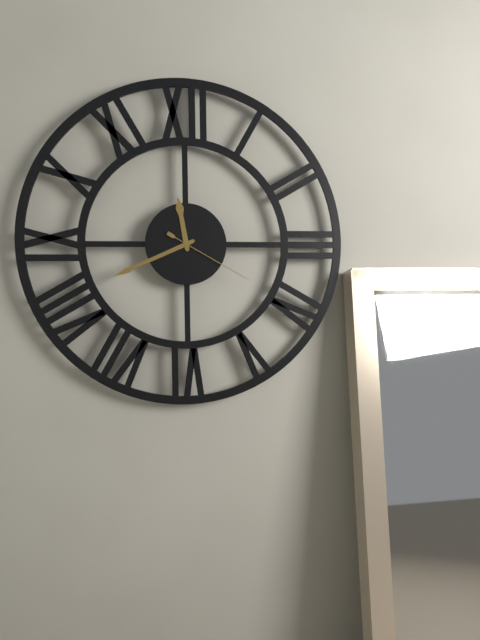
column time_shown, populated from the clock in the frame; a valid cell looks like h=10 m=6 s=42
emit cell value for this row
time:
h=11 m=41 s=20
